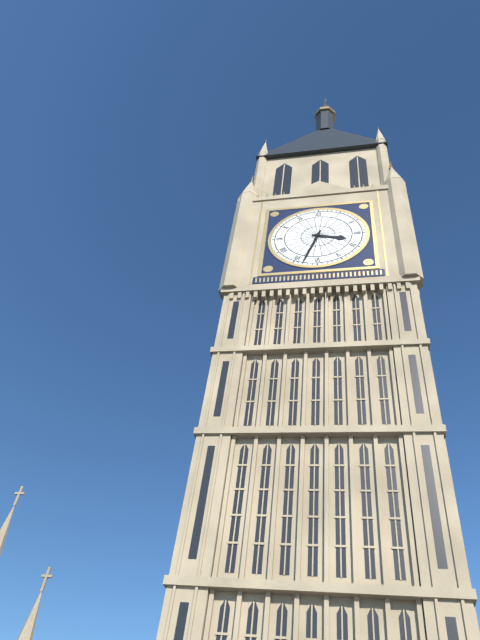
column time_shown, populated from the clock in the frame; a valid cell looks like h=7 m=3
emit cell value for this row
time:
h=3 m=33
